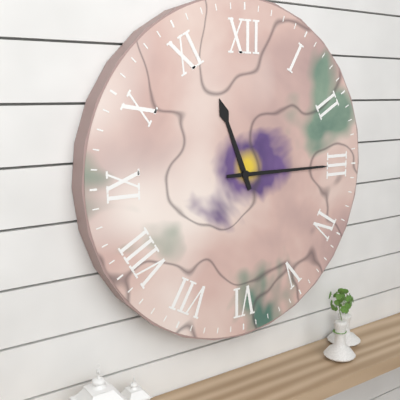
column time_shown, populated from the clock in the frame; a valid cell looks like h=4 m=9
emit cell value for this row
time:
h=11 m=15
